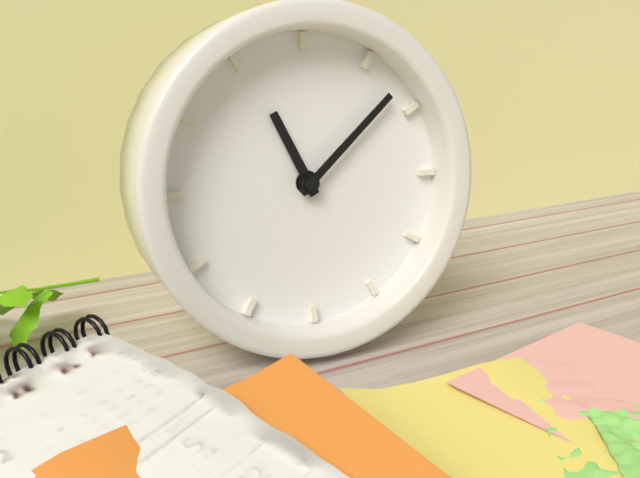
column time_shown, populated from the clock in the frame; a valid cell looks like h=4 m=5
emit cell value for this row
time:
h=11 m=8
